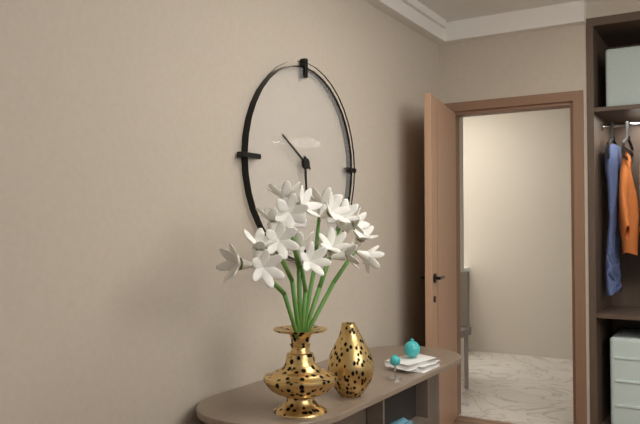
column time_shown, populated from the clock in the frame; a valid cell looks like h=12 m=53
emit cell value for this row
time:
h=5 m=50
